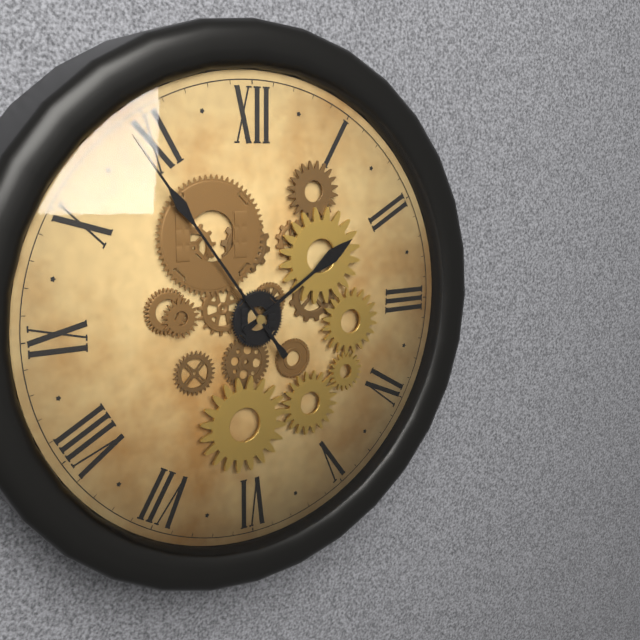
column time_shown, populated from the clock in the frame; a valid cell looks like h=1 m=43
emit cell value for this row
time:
h=1 m=54
